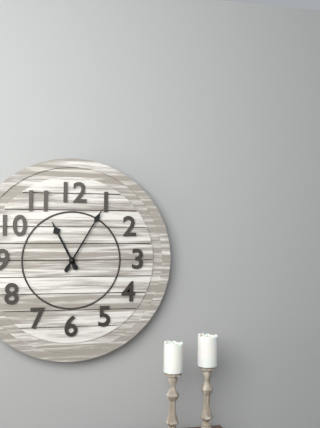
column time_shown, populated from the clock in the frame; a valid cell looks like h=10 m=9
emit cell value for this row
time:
h=11 m=5
